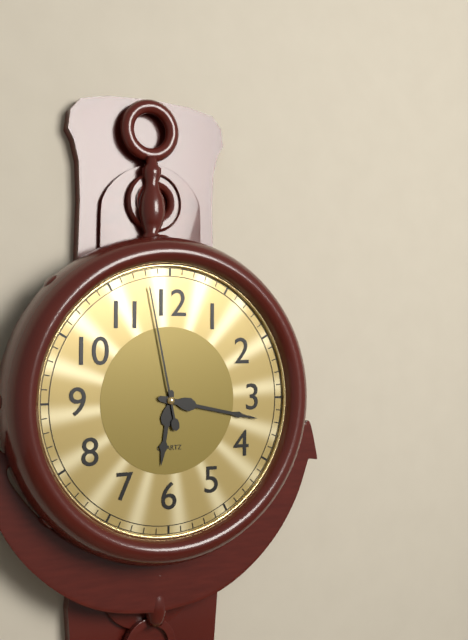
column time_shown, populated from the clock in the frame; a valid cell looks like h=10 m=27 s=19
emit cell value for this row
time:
h=6 m=17 s=58
